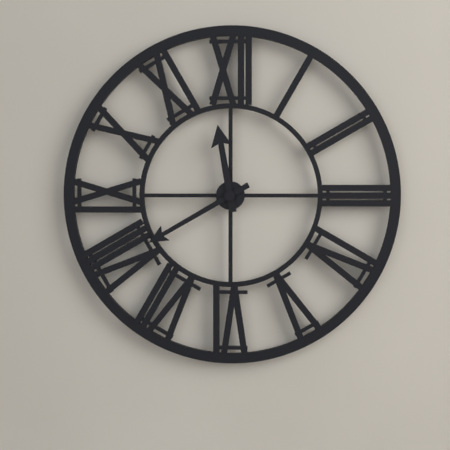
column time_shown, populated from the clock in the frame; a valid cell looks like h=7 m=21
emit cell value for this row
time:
h=11 m=40
